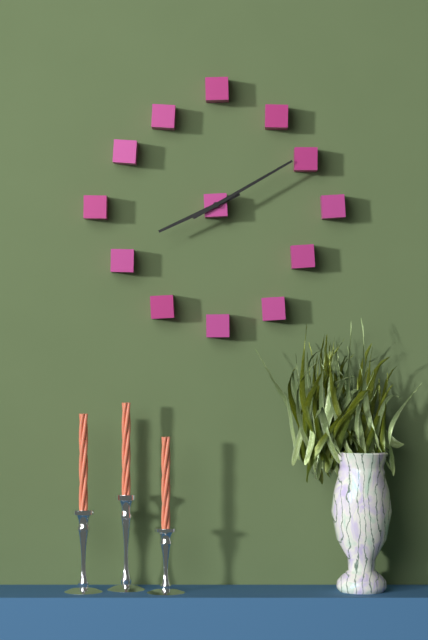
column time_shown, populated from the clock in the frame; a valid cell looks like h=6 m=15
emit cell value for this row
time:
h=8 m=10
